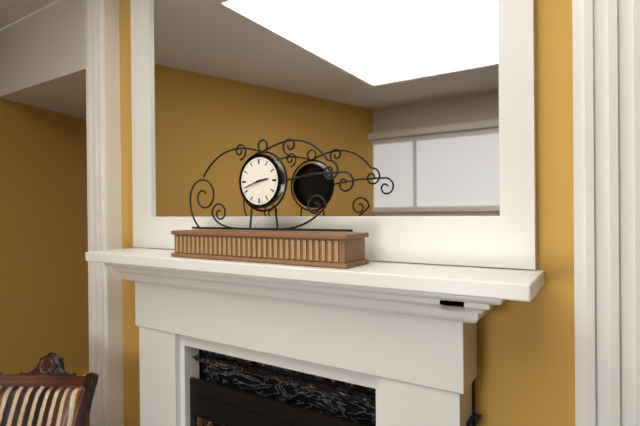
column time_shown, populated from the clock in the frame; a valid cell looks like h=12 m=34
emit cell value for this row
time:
h=2 m=42
